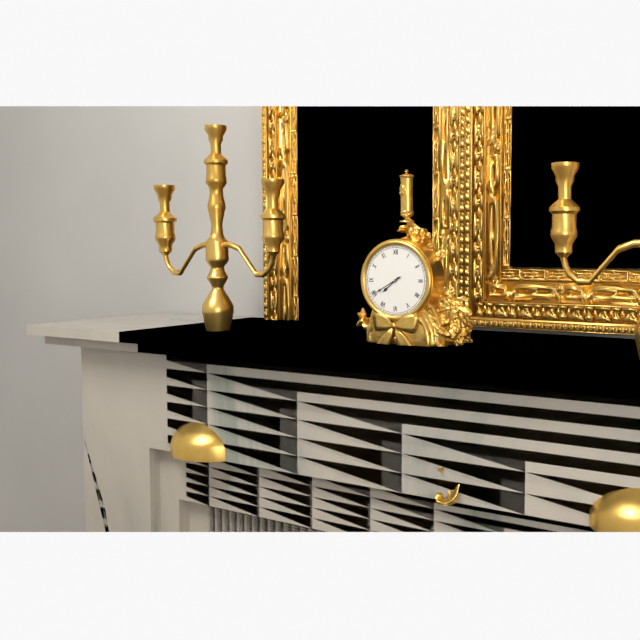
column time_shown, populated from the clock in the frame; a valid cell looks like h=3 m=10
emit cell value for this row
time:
h=7 m=40
